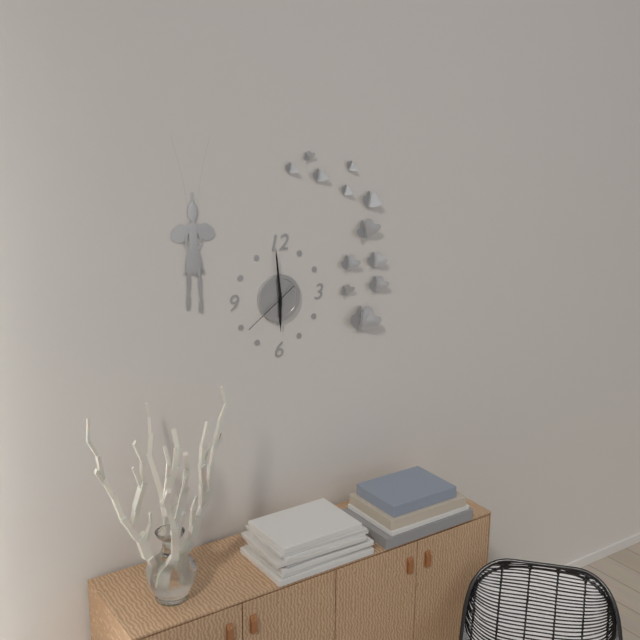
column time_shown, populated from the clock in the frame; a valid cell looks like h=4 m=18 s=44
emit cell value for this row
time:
h=5 m=59 s=39
